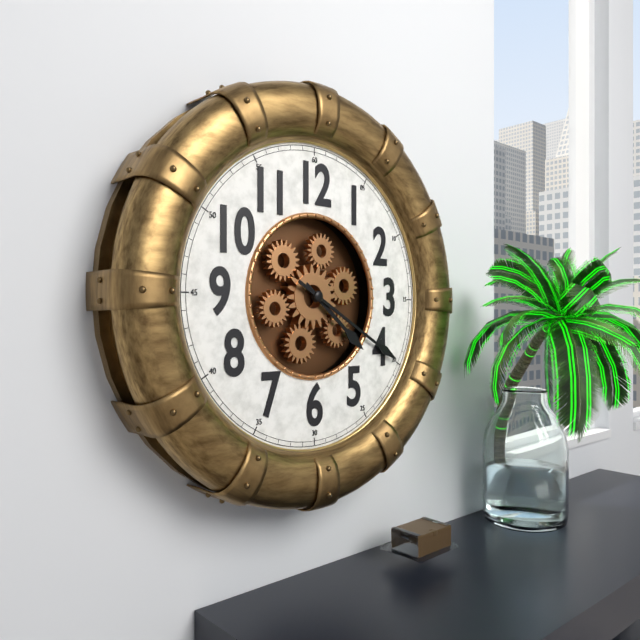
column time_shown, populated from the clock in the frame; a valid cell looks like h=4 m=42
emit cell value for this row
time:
h=4 m=20
